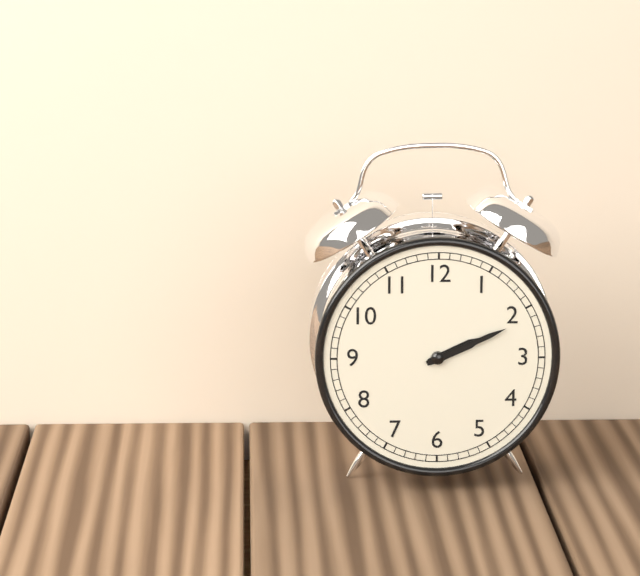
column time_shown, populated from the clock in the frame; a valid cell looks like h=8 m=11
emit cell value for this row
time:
h=2 m=11
